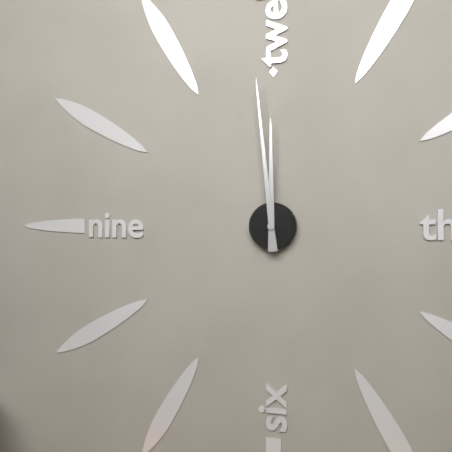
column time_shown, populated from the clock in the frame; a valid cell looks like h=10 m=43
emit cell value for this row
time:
h=11 m=59
